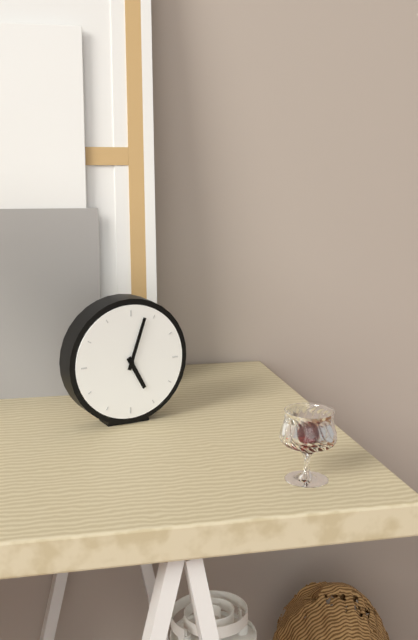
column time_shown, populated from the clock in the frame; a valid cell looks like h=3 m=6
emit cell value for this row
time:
h=5 m=3
